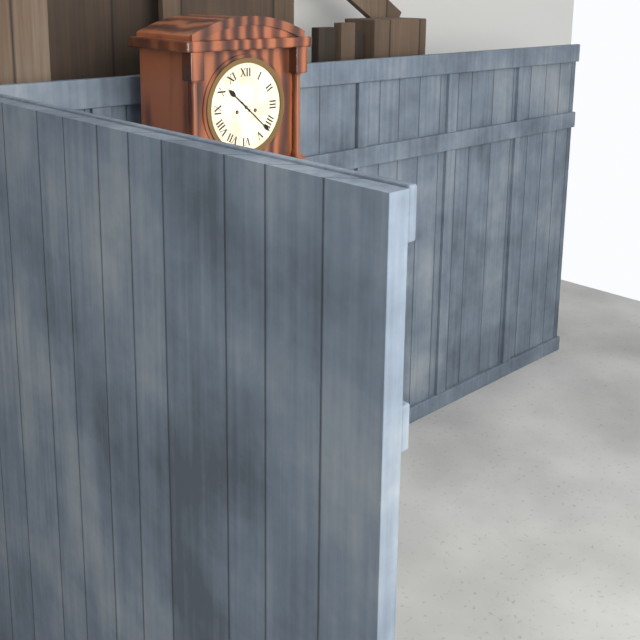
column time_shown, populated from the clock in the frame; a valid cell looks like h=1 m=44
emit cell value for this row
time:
h=10 m=22
